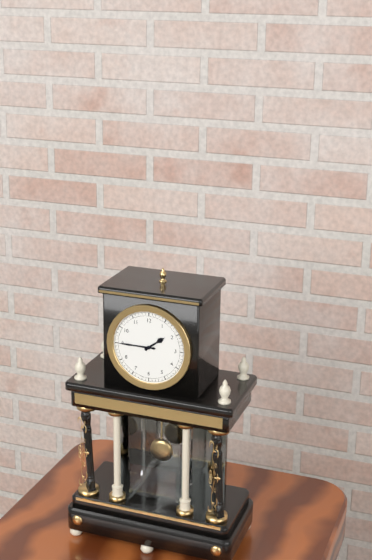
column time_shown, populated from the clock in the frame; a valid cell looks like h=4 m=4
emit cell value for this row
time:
h=1 m=45
